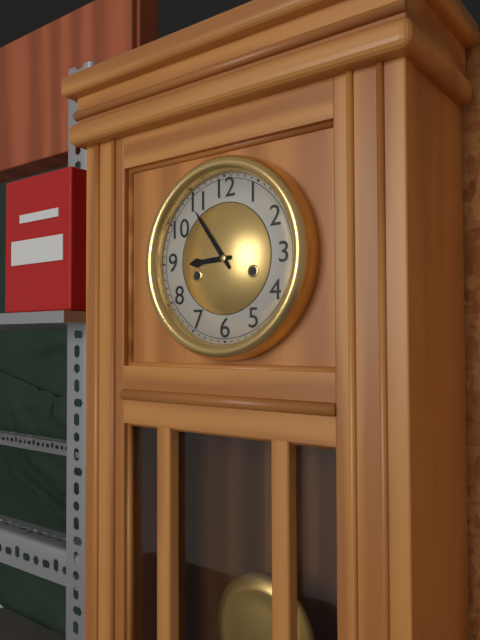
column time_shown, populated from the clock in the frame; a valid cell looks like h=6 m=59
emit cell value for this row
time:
h=8 m=54
